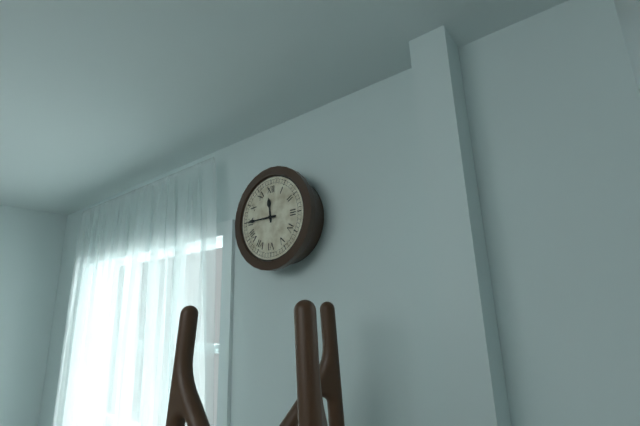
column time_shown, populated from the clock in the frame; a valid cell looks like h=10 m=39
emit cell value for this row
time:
h=11 m=45
